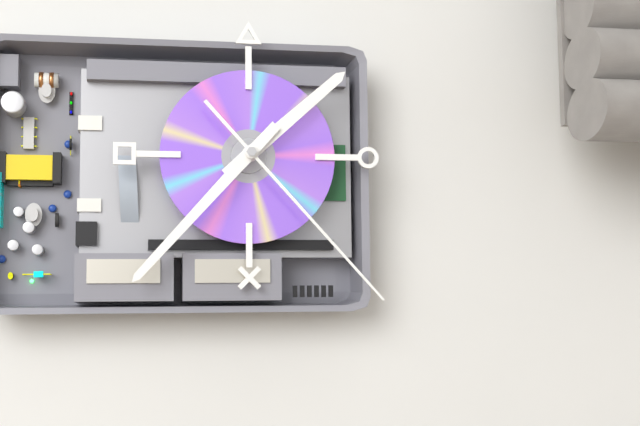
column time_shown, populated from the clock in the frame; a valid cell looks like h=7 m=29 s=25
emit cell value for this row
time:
h=1 m=37 s=23
